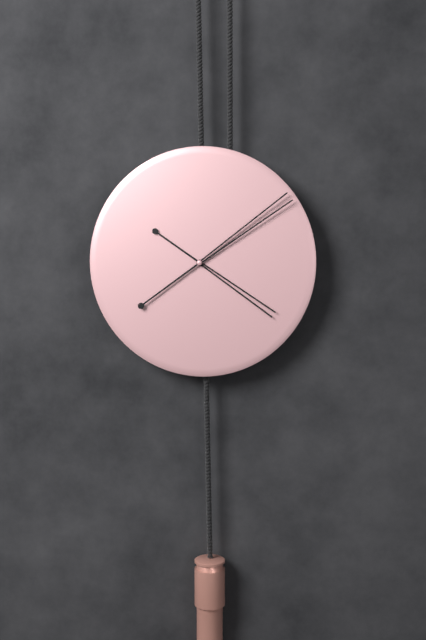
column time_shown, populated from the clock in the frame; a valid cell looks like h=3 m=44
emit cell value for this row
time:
h=4 m=9
